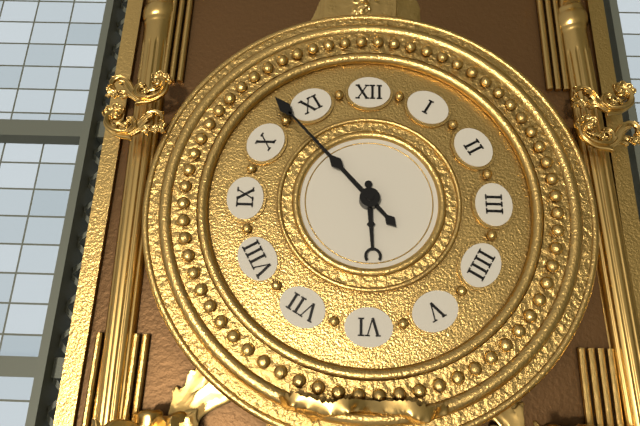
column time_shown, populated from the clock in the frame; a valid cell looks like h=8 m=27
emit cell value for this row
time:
h=5 m=53
